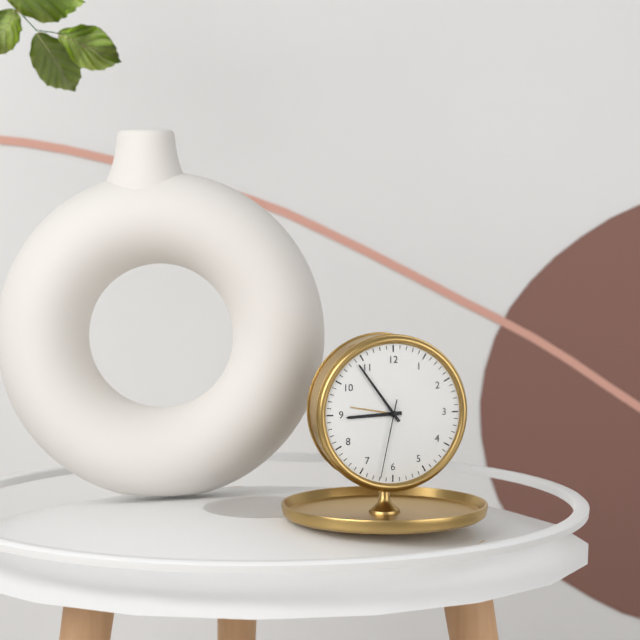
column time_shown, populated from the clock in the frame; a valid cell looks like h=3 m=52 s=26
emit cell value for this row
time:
h=8 m=54 s=32
